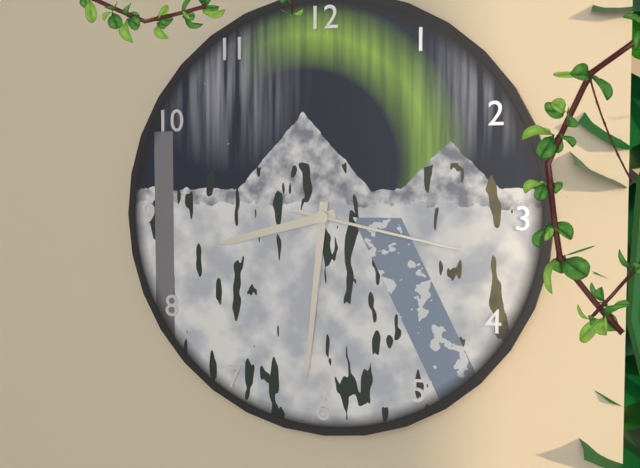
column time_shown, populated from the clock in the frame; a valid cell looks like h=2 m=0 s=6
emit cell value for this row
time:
h=8 m=31 s=17
